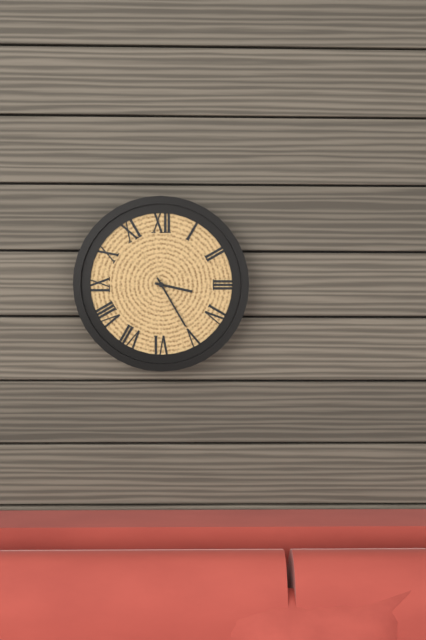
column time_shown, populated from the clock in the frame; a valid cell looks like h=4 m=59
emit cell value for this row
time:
h=3 m=25
